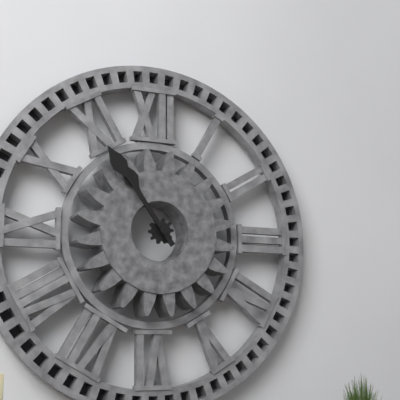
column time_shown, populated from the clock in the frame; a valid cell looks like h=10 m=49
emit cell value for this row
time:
h=10 m=54
